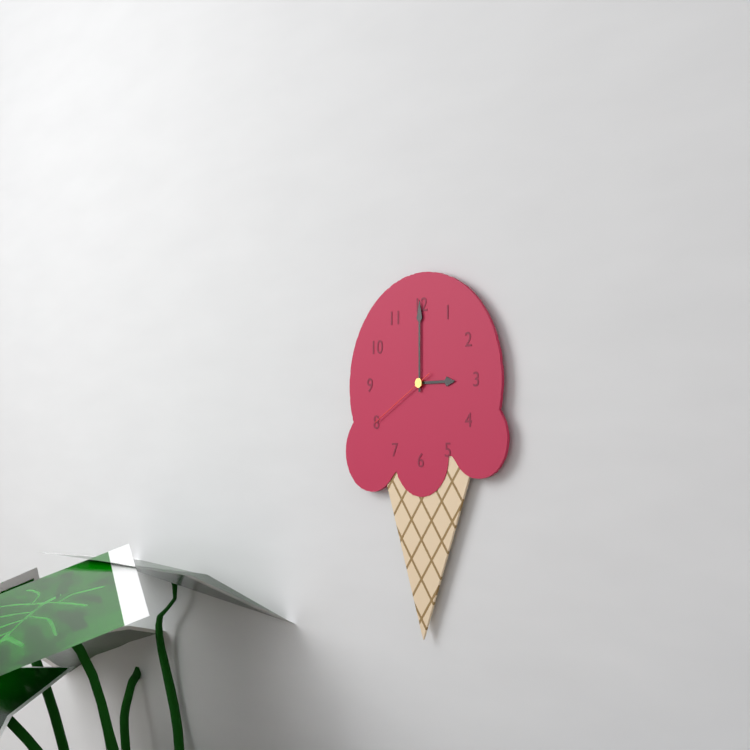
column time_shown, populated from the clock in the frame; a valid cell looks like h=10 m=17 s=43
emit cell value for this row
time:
h=3 m=0 s=40
